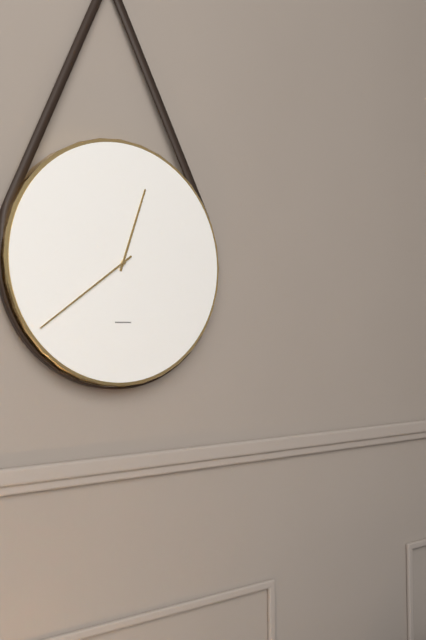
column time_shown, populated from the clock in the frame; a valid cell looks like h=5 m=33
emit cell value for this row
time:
h=12 m=39
